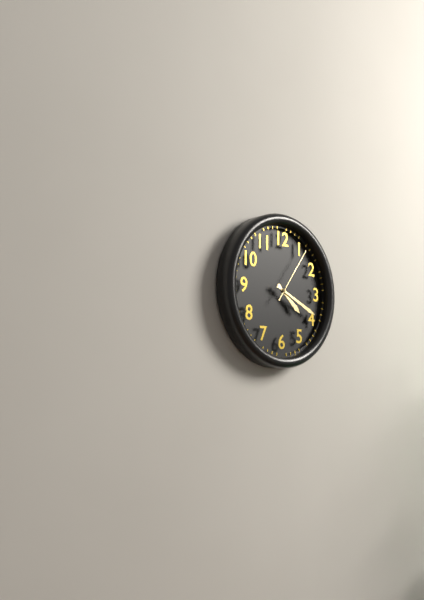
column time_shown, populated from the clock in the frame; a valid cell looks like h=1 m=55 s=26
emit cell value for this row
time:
h=4 m=19 s=6
